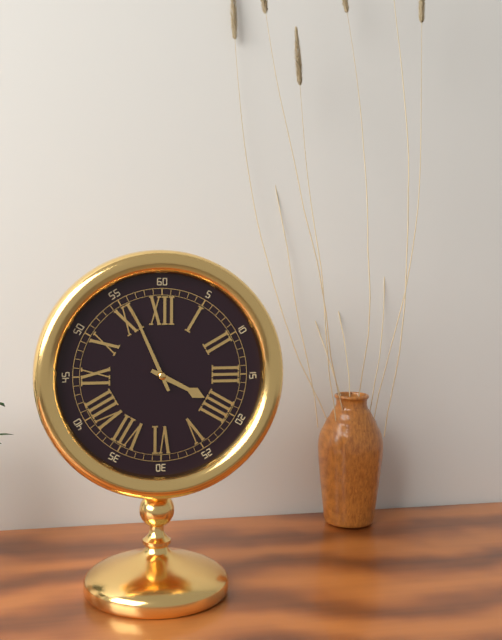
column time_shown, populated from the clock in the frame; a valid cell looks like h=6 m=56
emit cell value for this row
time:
h=3 m=56
